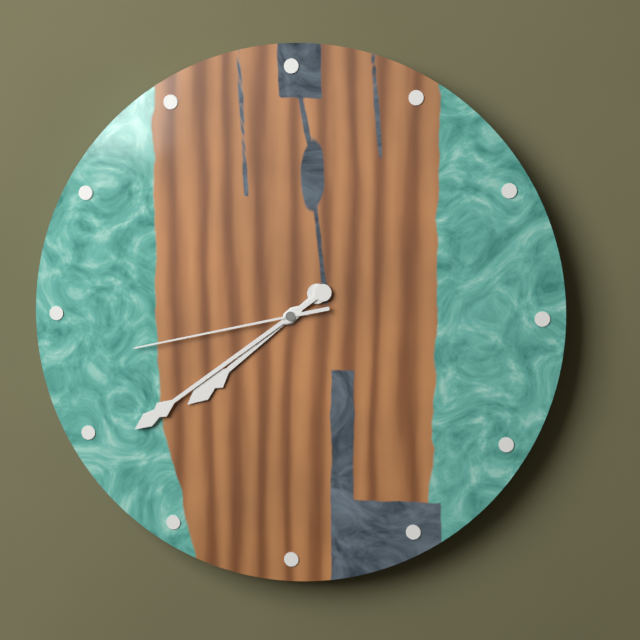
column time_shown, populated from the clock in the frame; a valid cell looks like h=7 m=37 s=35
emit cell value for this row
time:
h=7 m=39 s=43
